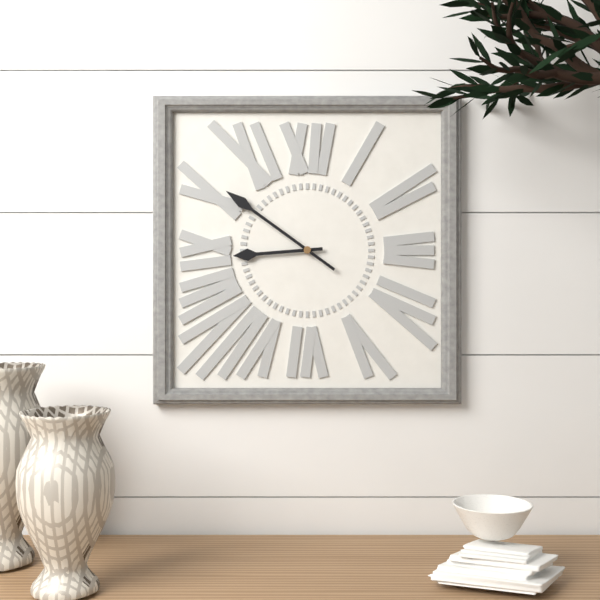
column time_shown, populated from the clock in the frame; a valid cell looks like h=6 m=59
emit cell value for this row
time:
h=8 m=51
